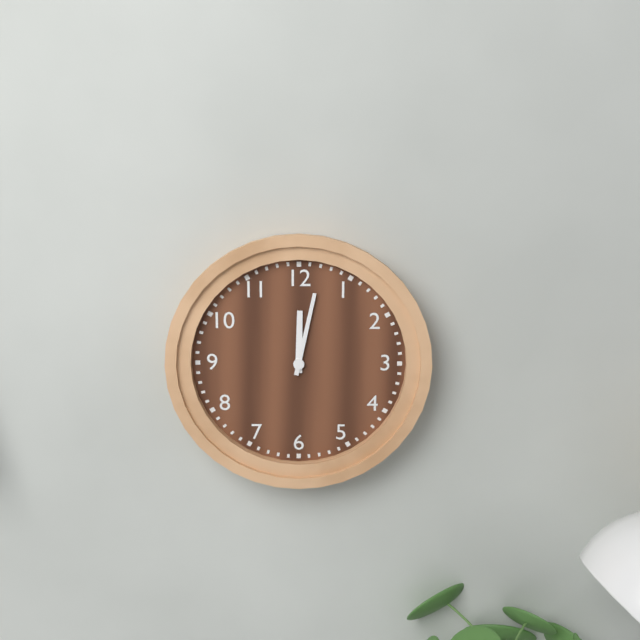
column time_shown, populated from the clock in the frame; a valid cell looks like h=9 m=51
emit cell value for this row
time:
h=12 m=2
